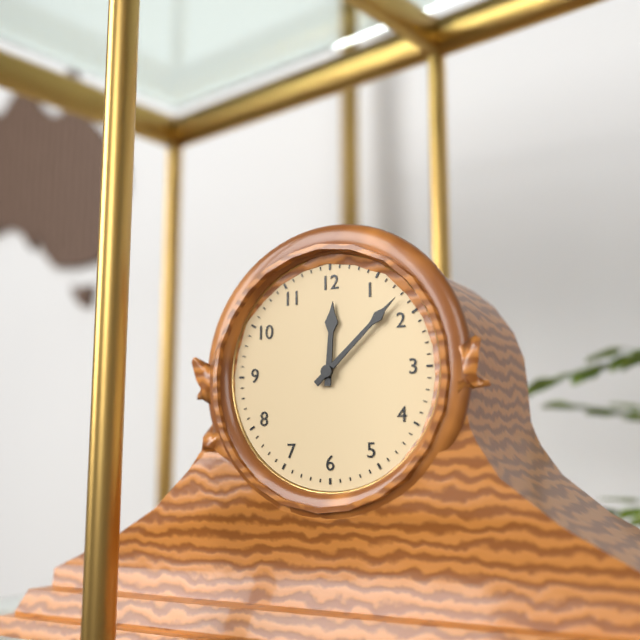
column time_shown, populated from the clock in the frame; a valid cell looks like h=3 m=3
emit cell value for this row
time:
h=12 m=8
